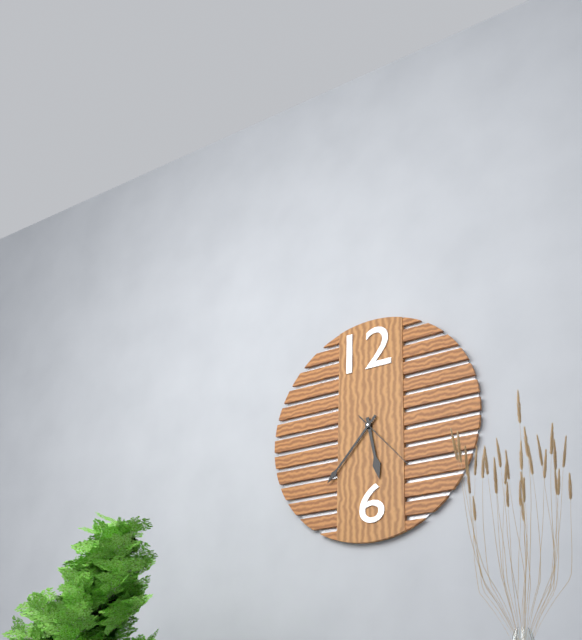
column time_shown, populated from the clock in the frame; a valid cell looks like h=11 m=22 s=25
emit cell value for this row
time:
h=5 m=37 s=23
